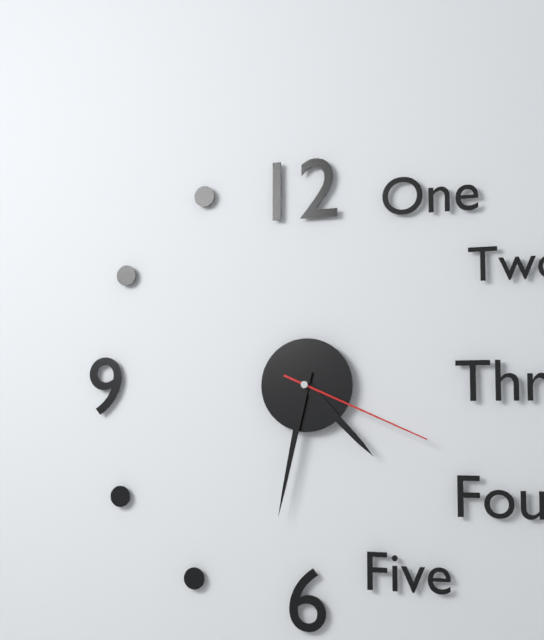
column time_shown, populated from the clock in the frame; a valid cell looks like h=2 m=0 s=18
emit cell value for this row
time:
h=4 m=32 s=19
